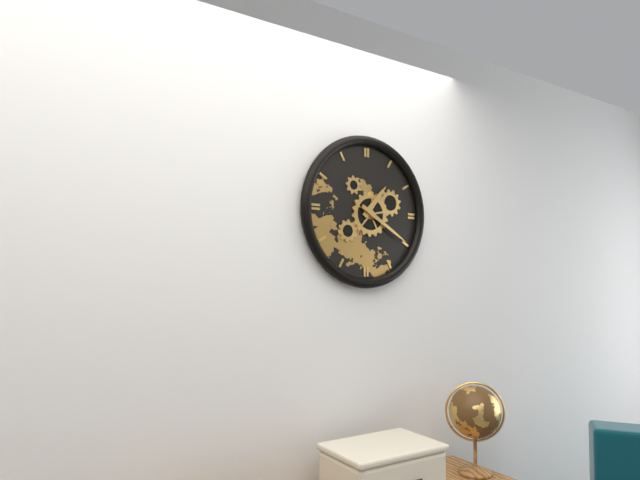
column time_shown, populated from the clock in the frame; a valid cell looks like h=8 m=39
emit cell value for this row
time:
h=1 m=20
